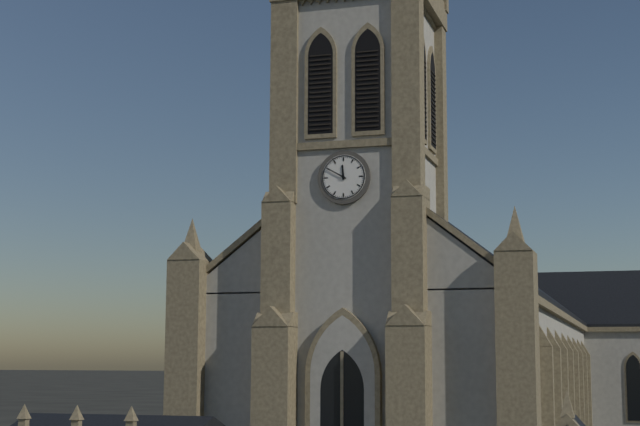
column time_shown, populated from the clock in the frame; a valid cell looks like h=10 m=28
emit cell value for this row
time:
h=11 m=50
